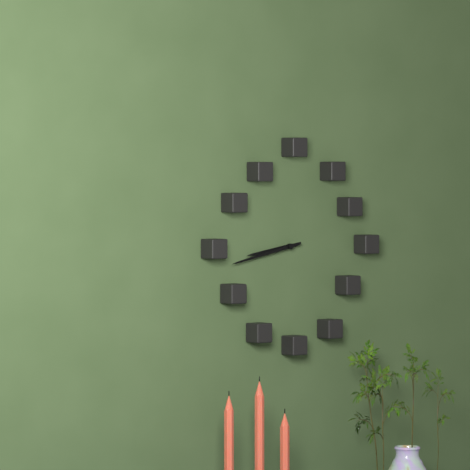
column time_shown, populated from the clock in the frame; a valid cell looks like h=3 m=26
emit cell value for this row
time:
h=8 m=43
